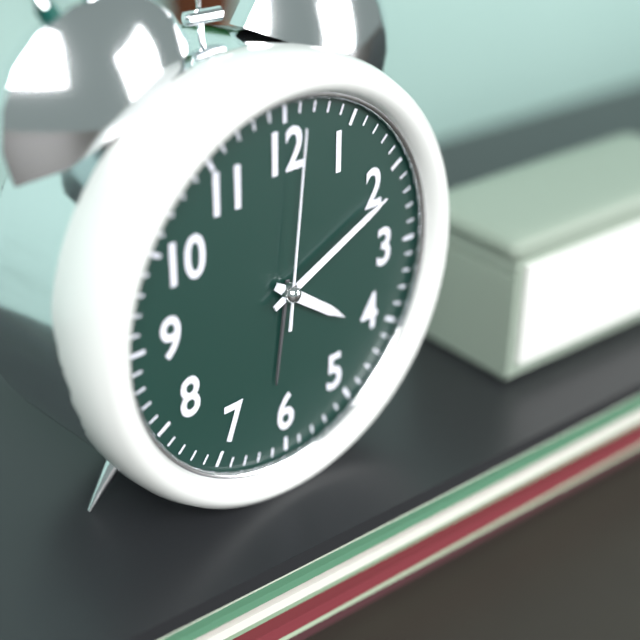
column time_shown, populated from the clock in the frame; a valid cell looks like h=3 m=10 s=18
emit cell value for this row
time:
h=4 m=11 s=1
